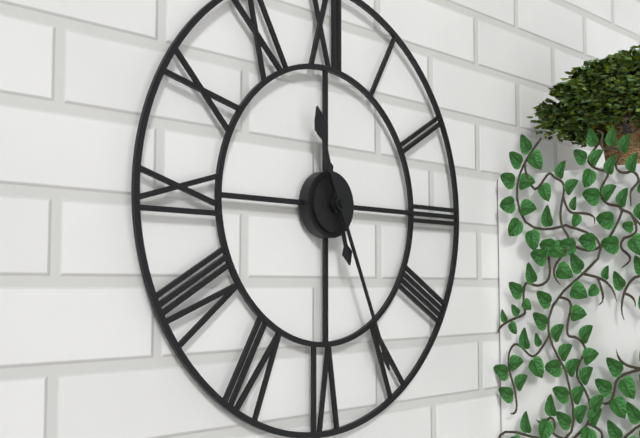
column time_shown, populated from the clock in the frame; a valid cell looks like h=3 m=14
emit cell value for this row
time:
h=11 m=26
